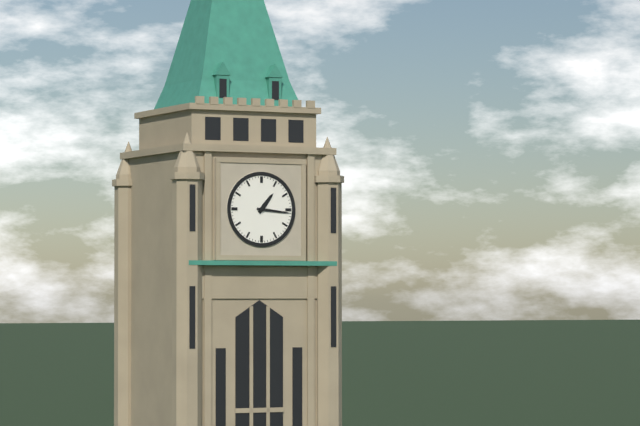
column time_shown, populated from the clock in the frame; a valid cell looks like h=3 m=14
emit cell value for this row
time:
h=1 m=16
